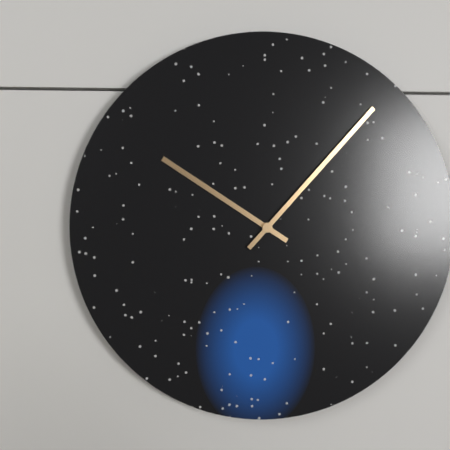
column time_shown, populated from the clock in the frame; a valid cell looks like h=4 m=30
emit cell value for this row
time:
h=10 m=7
